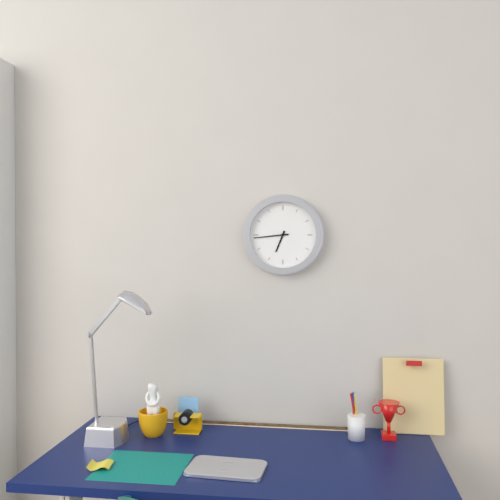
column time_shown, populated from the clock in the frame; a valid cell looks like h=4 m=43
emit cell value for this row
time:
h=6 m=44
